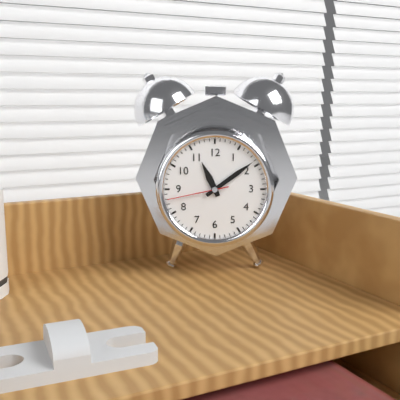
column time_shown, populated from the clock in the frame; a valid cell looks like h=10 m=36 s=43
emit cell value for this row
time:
h=11 m=9 s=43
